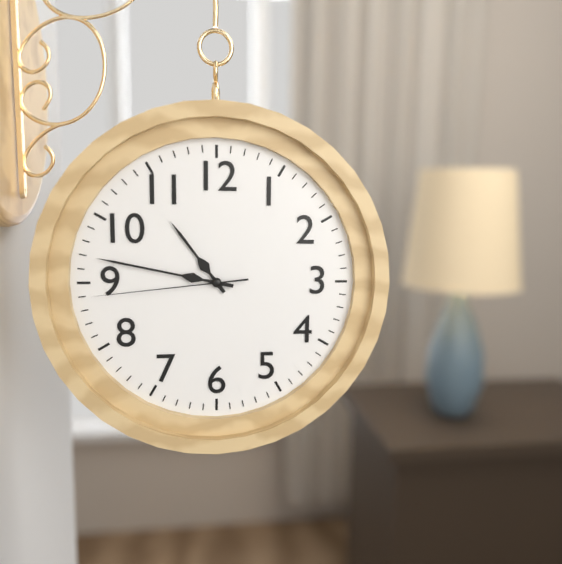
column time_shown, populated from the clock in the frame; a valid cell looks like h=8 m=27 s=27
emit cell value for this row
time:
h=10 m=47 s=44
